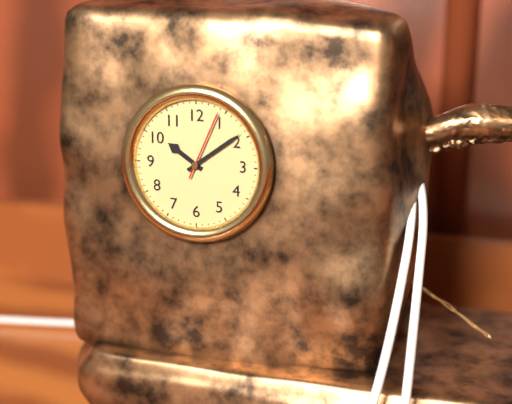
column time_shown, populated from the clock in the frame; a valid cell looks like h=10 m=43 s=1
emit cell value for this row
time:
h=10 m=9 s=4
